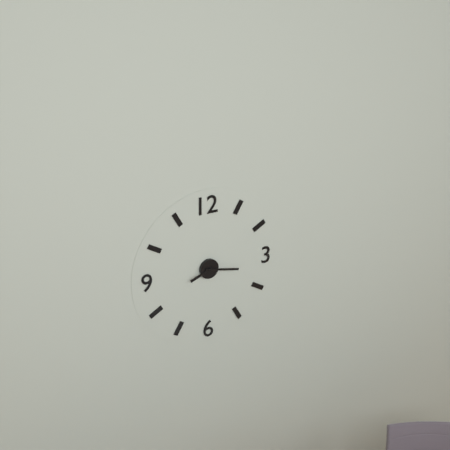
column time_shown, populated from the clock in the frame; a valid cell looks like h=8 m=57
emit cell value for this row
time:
h=8 m=17
